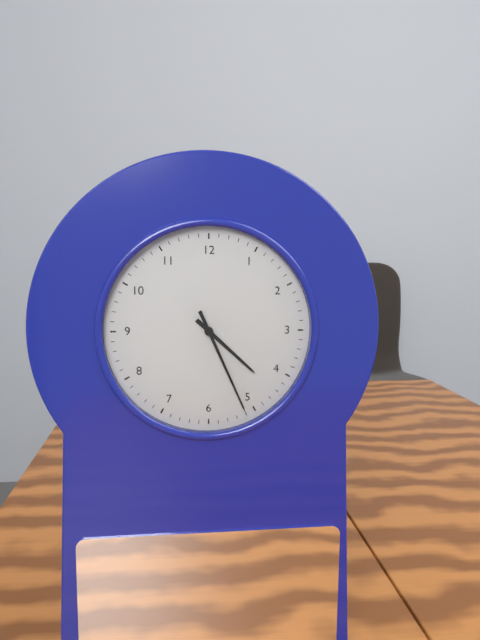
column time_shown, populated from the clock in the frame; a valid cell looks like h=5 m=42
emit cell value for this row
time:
h=4 m=26
